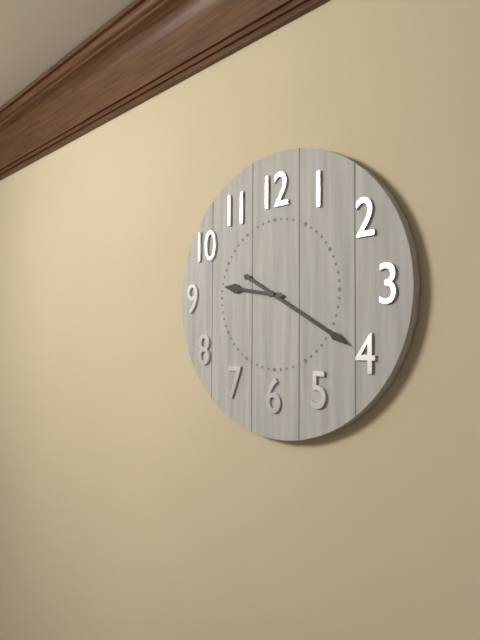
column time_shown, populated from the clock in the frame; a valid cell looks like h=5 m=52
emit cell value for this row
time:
h=9 m=20
